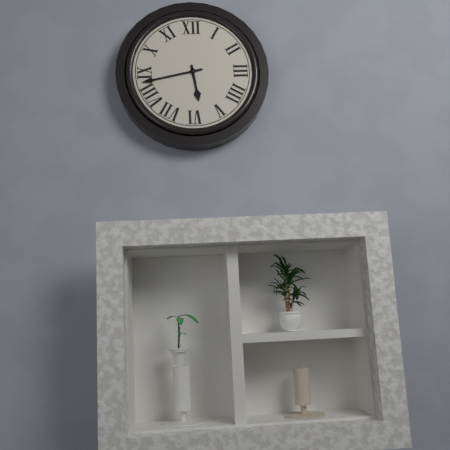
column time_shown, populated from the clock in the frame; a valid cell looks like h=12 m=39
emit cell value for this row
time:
h=5 m=43
